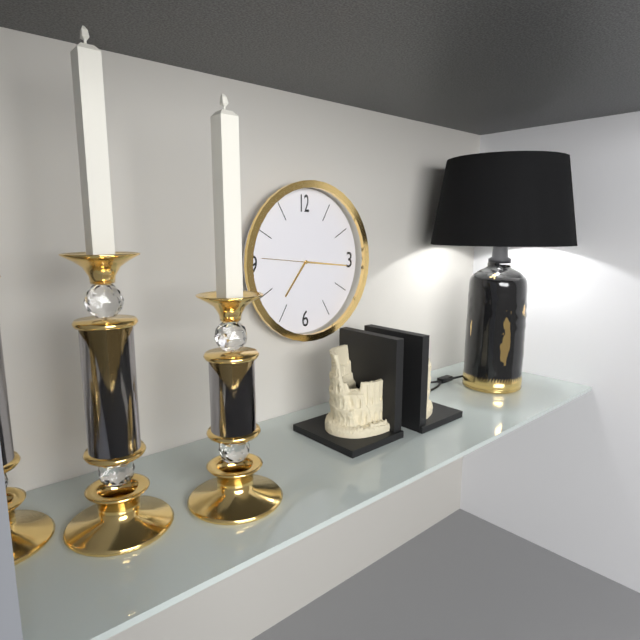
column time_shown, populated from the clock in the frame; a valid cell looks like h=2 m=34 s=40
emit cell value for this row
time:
h=7 m=16 s=46
